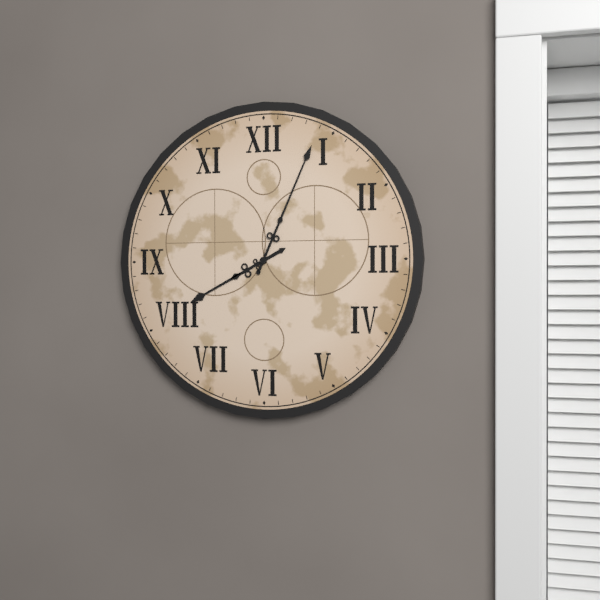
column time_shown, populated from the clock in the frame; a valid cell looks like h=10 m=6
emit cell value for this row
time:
h=8 m=4
